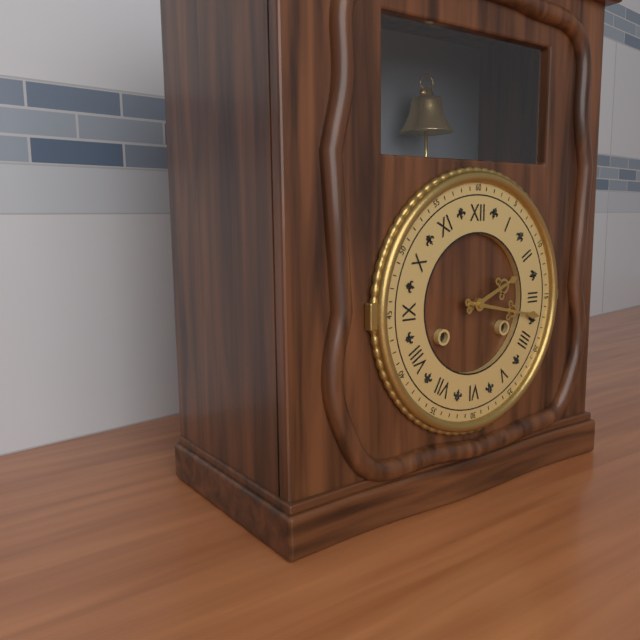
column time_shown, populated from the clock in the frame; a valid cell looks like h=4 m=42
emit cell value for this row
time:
h=2 m=17
